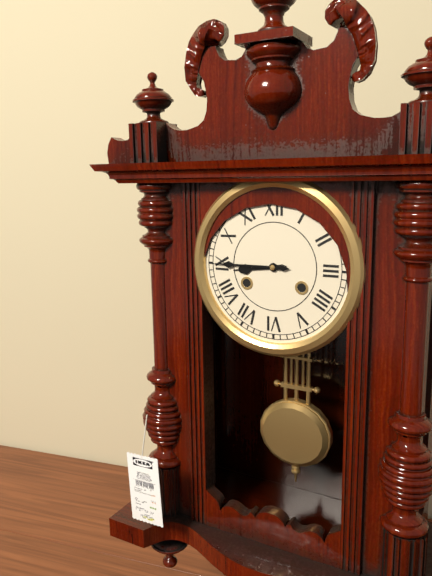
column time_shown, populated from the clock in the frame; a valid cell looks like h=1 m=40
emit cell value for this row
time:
h=8 m=45
